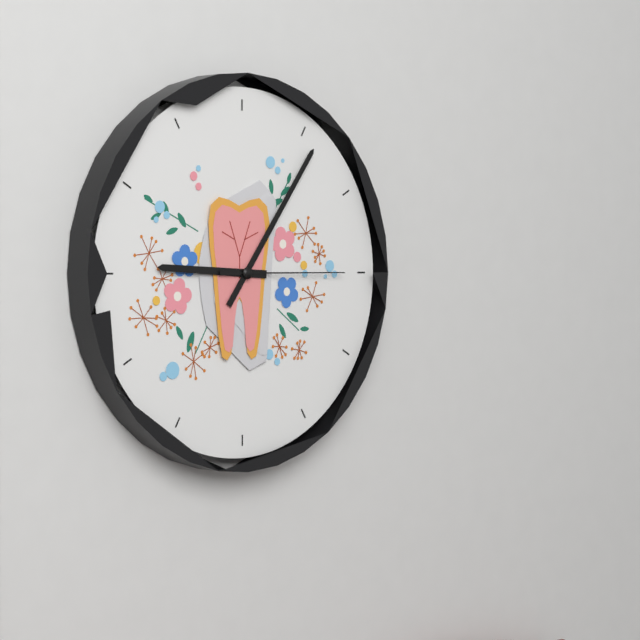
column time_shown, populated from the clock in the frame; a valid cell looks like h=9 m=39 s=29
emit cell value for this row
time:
h=9 m=6 s=15
